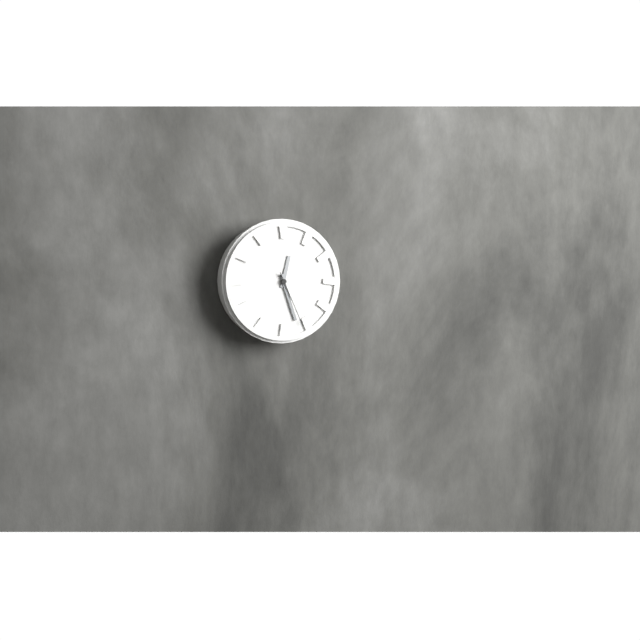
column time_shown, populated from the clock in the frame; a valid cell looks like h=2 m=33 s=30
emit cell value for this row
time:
h=12 m=27 s=26
